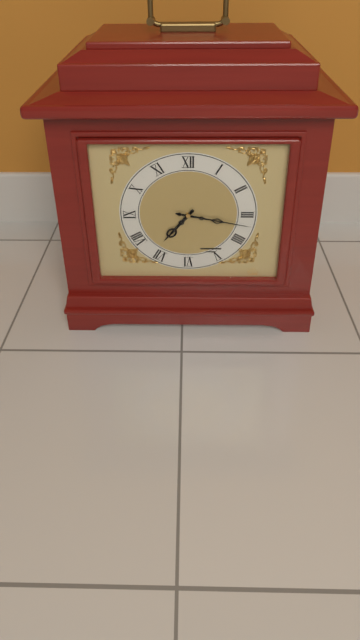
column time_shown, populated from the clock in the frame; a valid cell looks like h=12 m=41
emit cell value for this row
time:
h=7 m=17
